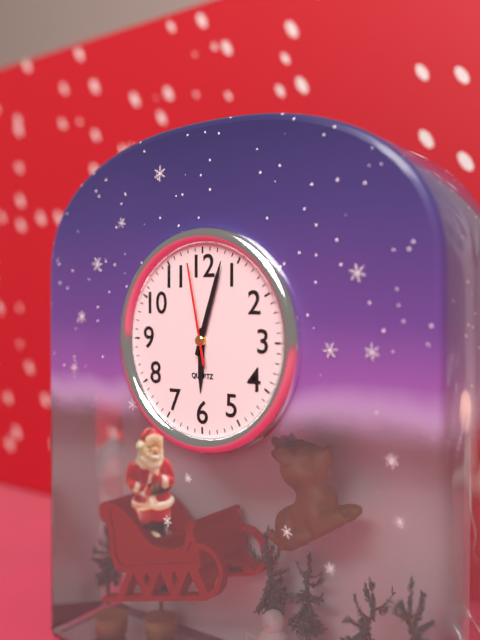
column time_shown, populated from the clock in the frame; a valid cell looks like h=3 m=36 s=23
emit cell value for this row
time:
h=6 m=3 s=58
